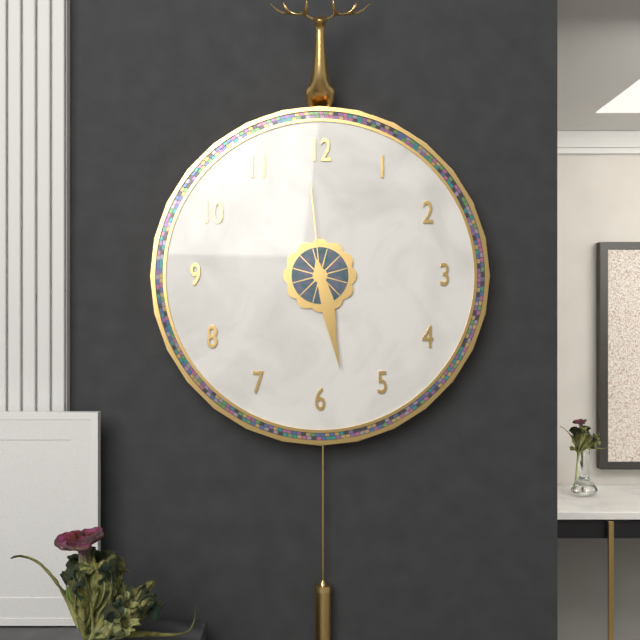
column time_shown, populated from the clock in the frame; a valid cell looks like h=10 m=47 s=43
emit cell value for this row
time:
h=5 m=28 s=59
